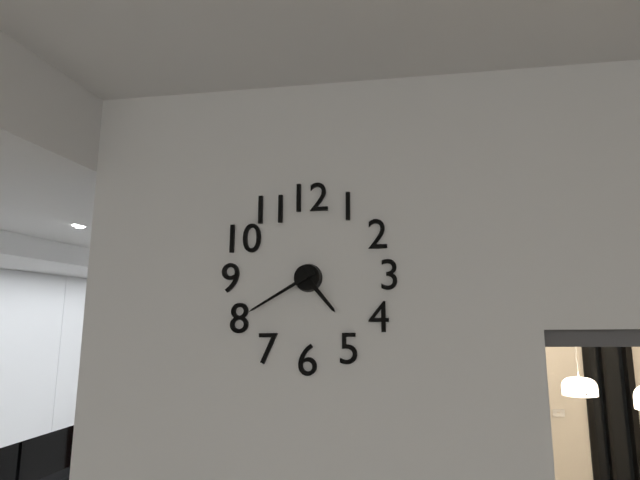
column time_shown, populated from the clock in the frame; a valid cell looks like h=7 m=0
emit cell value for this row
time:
h=4 m=40
